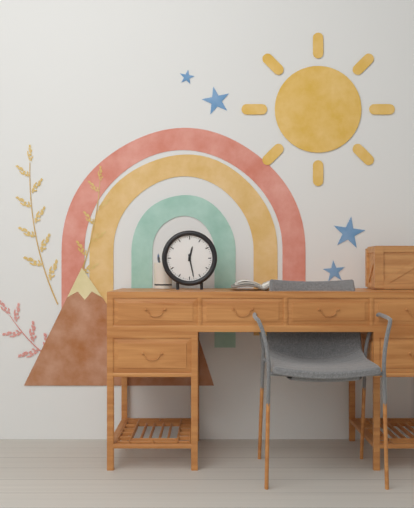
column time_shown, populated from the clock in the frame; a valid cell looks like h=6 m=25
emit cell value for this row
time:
h=12 m=28
